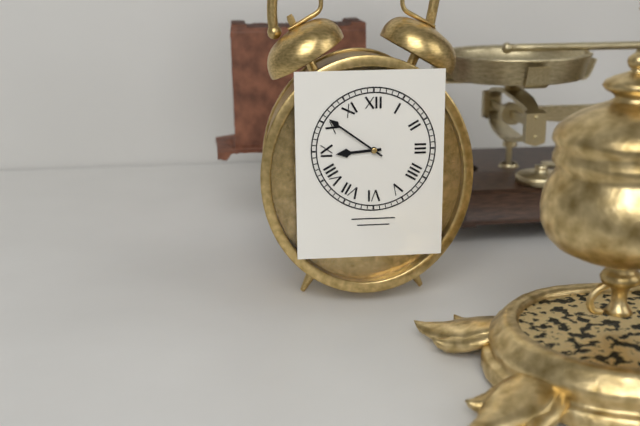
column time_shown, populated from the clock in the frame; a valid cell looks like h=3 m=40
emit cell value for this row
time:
h=8 m=51
